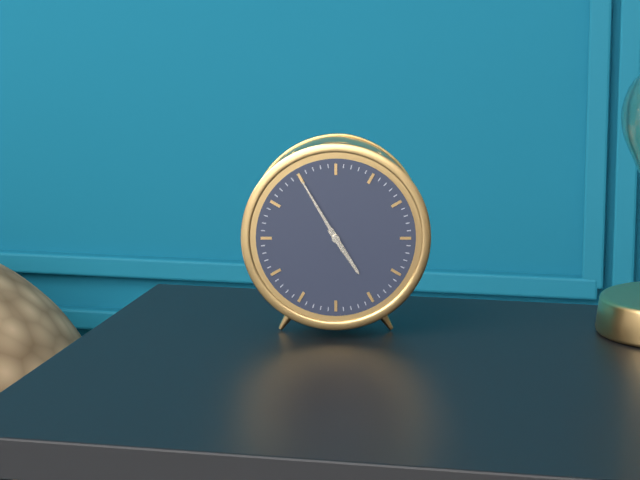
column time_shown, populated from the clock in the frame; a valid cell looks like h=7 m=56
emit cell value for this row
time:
h=4 m=55
